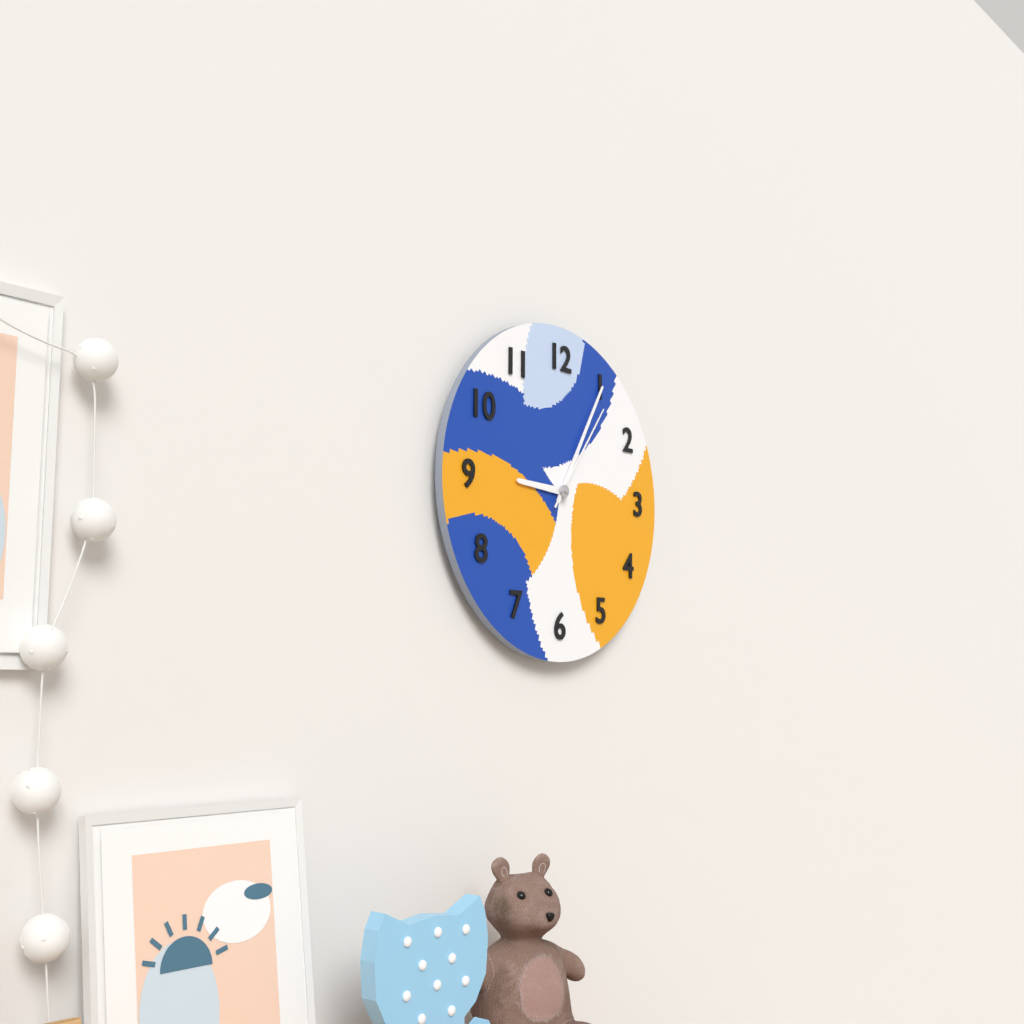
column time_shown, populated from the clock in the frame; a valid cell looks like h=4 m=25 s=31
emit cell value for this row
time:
h=9 m=5 s=6
